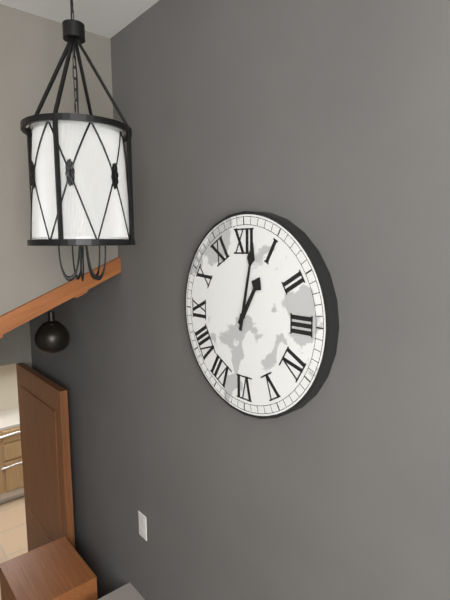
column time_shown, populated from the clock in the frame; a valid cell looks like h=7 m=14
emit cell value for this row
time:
h=1 m=2
